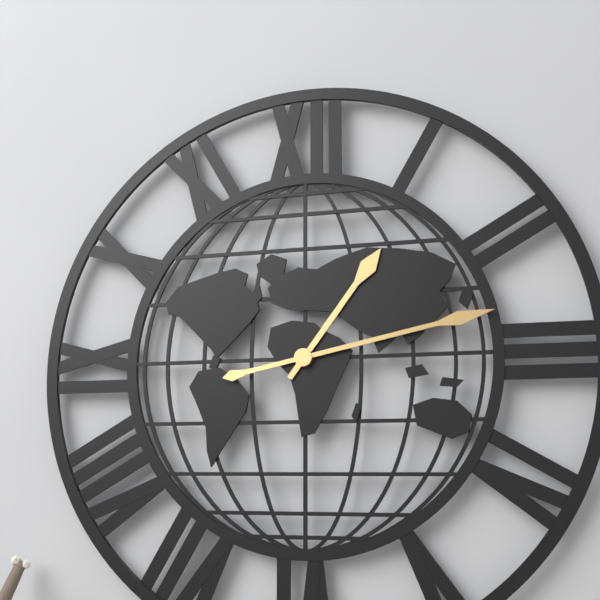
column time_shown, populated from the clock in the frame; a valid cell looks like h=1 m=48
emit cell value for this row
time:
h=1 m=13
